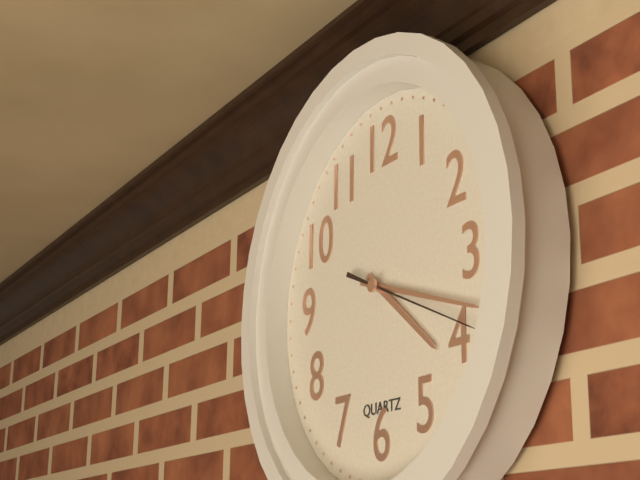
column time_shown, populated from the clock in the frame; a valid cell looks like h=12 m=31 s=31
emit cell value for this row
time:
h=4 m=18 s=19
